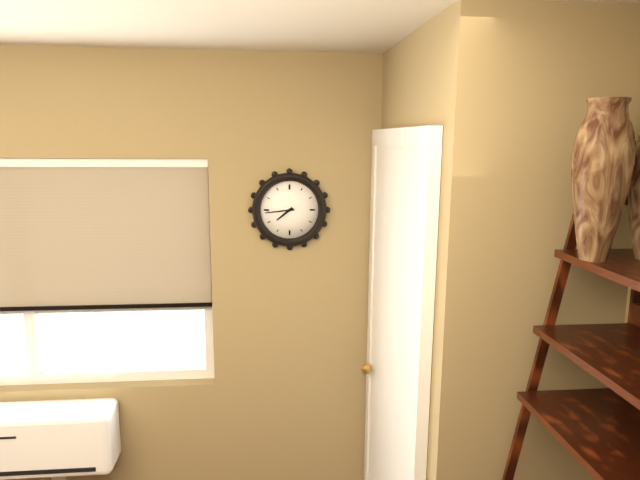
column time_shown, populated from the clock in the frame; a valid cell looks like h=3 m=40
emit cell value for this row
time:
h=7 m=44
